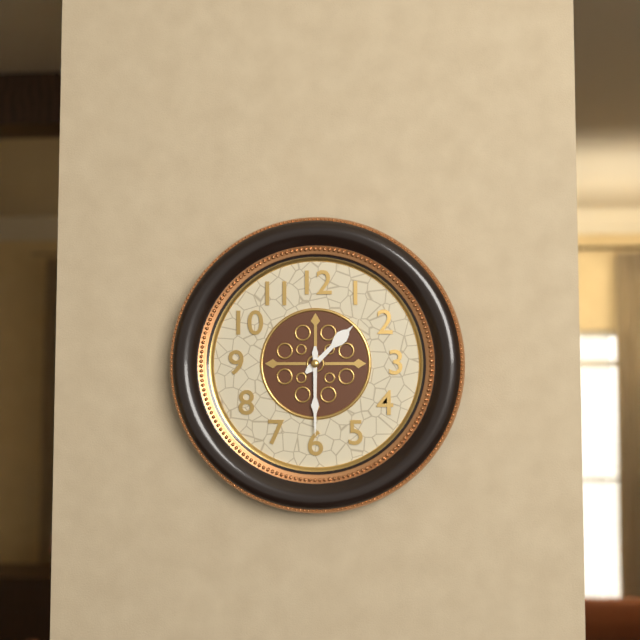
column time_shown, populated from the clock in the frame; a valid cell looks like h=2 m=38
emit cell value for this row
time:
h=1 m=30
